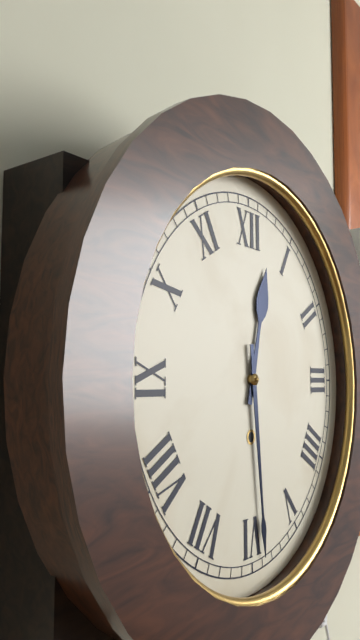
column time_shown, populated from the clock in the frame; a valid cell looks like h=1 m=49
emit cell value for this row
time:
h=12 m=29
